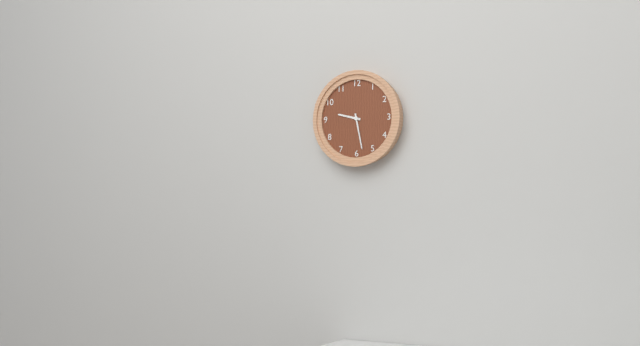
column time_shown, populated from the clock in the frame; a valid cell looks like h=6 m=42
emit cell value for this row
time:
h=9 m=28
